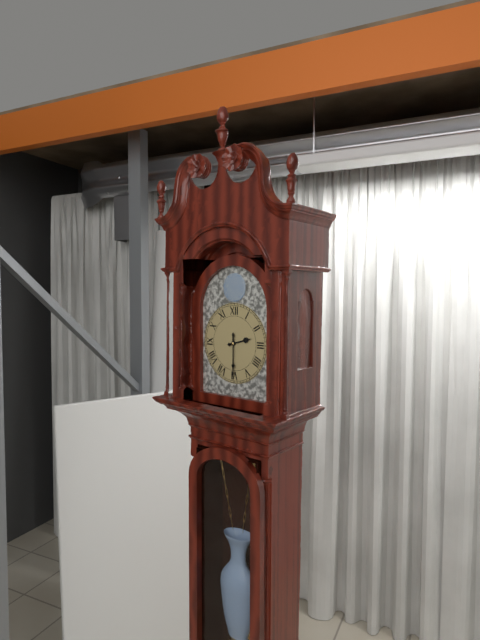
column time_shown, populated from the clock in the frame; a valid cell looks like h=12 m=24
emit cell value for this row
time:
h=2 m=30
